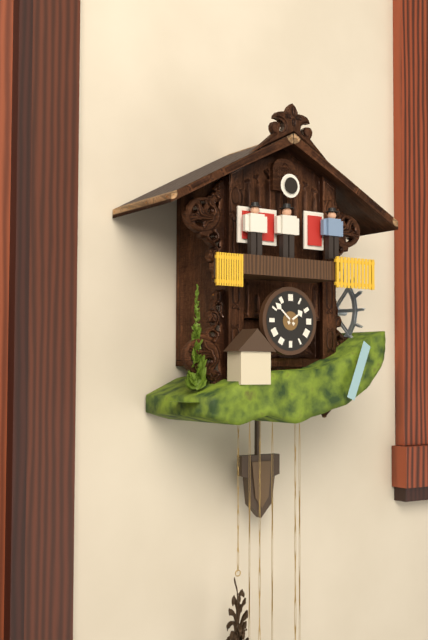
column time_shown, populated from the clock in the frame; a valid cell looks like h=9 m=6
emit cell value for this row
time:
h=1 m=52
